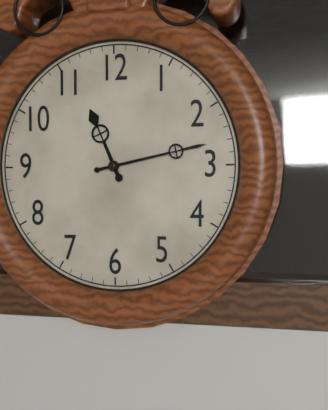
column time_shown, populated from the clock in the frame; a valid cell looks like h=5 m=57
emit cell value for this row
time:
h=11 m=13
